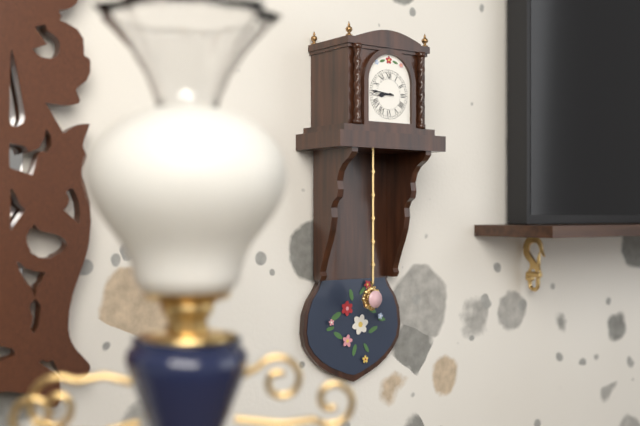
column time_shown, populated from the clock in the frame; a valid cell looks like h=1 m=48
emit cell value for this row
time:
h=8 m=46
